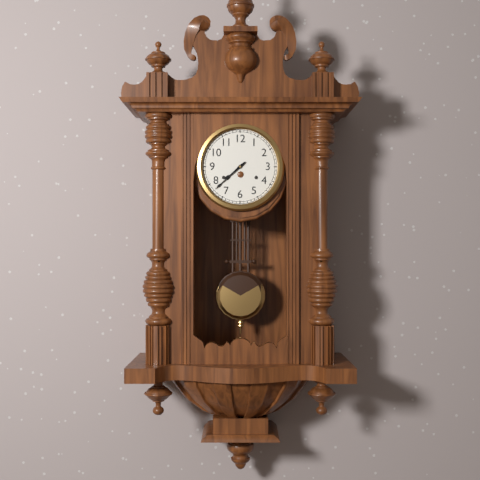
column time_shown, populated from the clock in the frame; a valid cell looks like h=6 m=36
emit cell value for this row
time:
h=7 m=38
